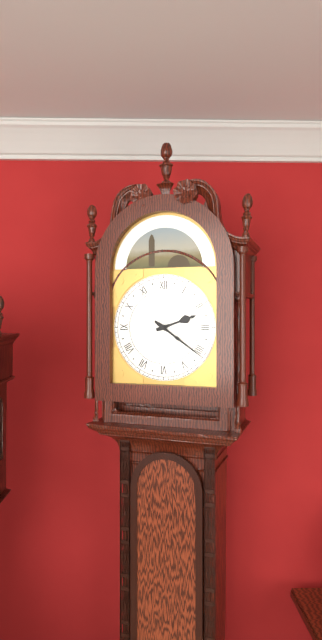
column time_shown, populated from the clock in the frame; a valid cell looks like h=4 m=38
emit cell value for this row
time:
h=2 m=21
